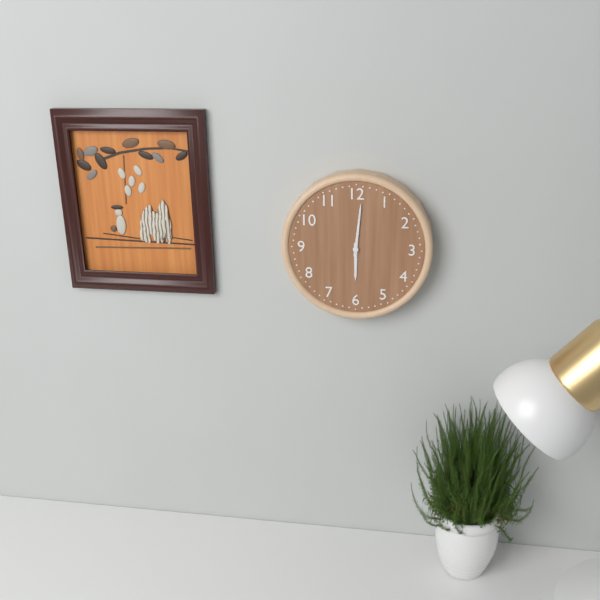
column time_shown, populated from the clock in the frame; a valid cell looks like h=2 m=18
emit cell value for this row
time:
h=6 m=1
